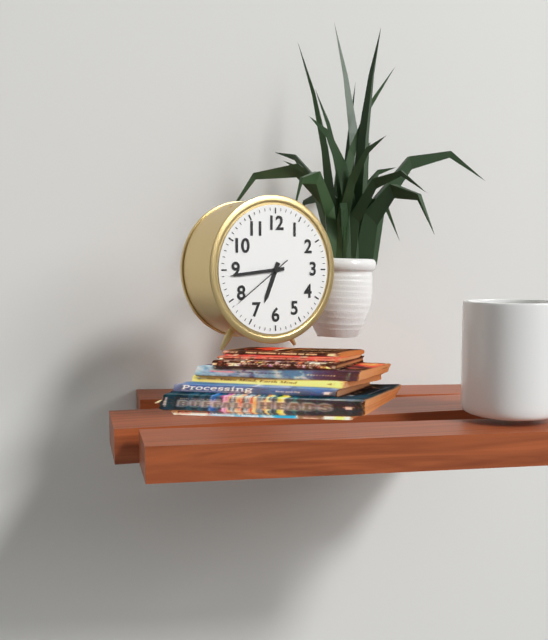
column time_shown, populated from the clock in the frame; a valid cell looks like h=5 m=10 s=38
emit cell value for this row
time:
h=6 m=44 s=39
